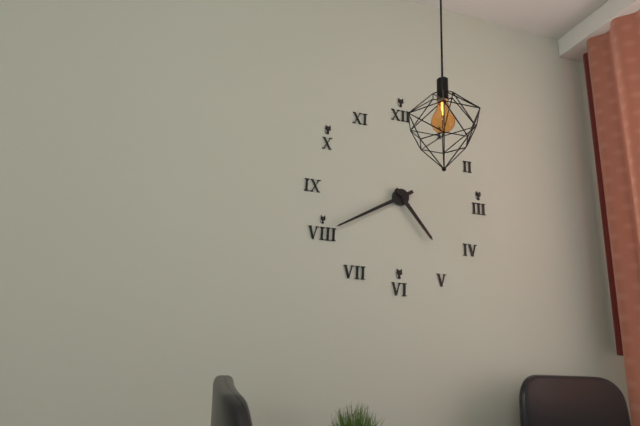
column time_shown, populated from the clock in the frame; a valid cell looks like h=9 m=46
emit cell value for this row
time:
h=4 m=40
